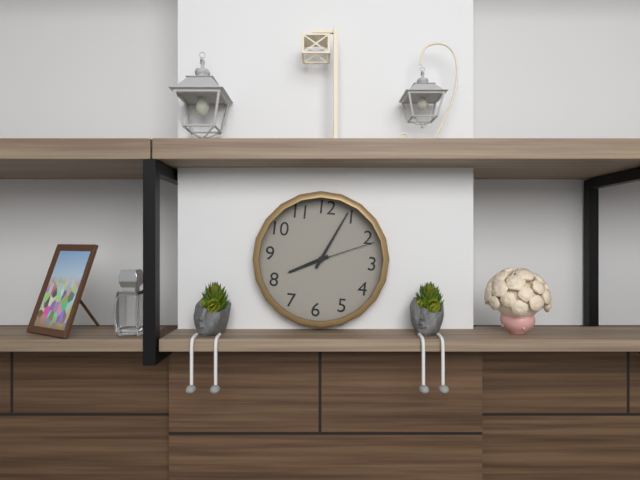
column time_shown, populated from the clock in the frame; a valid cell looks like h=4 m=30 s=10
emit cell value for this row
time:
h=8 m=4 s=11
